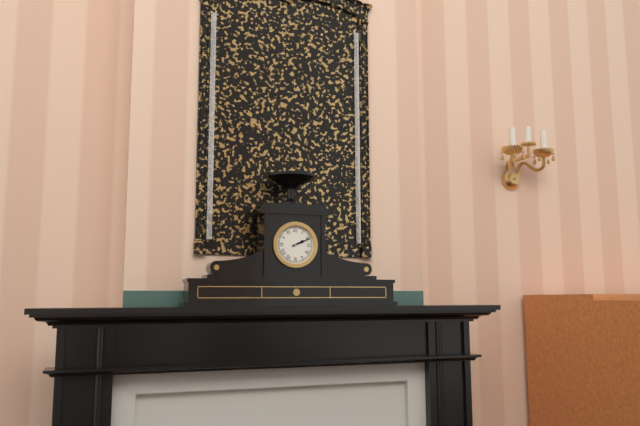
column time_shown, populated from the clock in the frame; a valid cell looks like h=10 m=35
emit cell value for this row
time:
h=2 m=11
